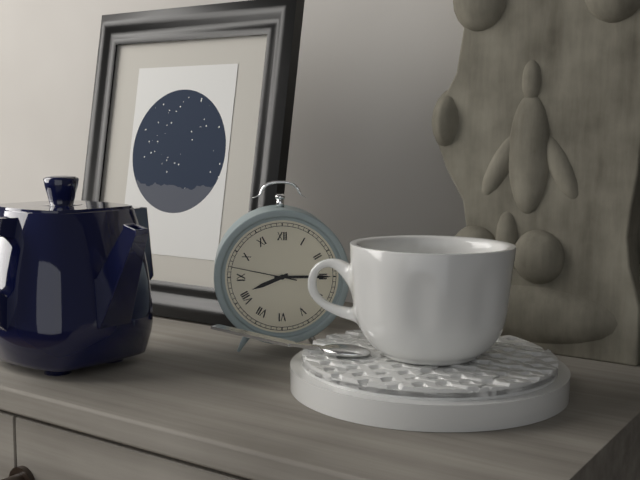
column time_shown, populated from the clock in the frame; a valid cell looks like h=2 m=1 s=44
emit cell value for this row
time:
h=8 m=15 s=47
